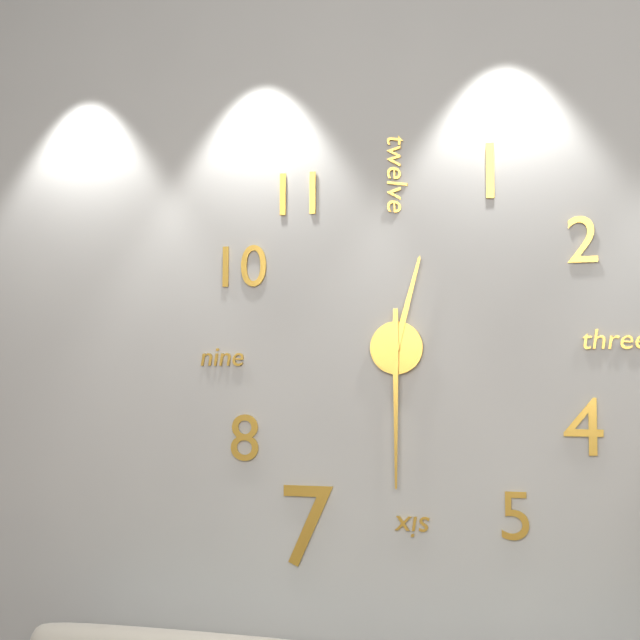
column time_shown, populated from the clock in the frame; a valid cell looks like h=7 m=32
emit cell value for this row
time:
h=12 m=30
